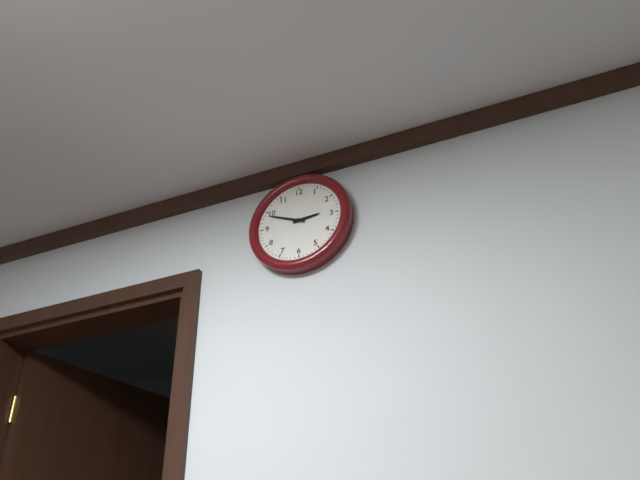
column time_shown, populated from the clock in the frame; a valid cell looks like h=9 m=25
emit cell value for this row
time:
h=2 m=49
